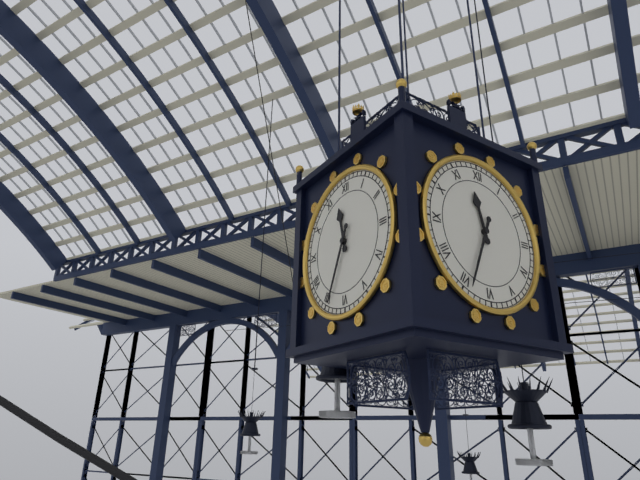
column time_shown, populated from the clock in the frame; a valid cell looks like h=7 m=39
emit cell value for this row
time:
h=11 m=34
